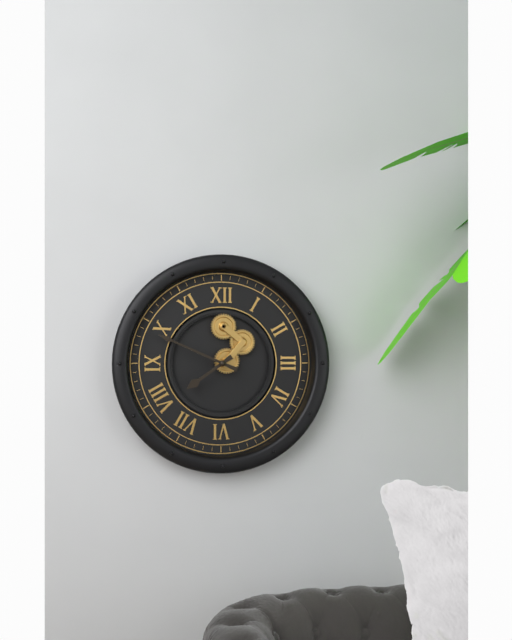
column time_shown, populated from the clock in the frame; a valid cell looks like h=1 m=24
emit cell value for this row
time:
h=7 m=49
